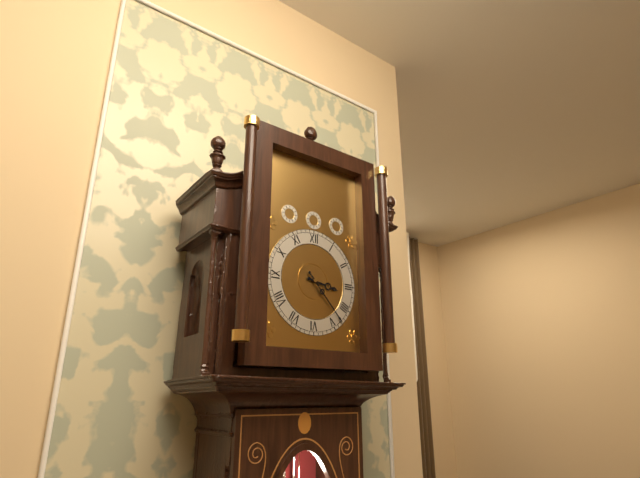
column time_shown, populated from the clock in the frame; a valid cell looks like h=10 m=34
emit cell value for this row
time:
h=3 m=23
